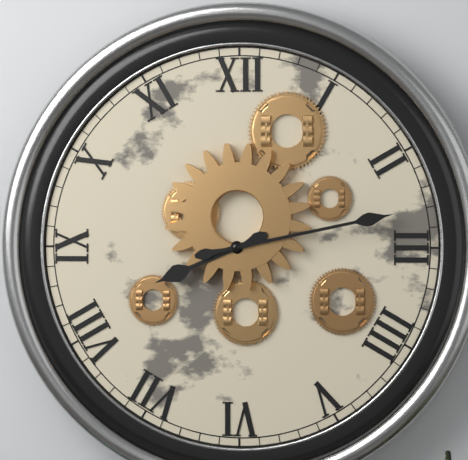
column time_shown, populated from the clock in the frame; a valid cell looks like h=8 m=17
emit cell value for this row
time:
h=8 m=13
